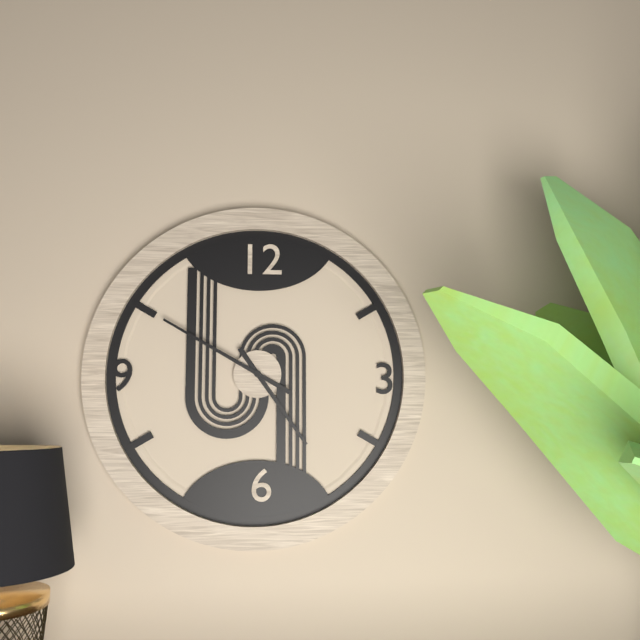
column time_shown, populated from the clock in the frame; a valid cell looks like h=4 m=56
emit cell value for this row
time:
h=4 m=50
